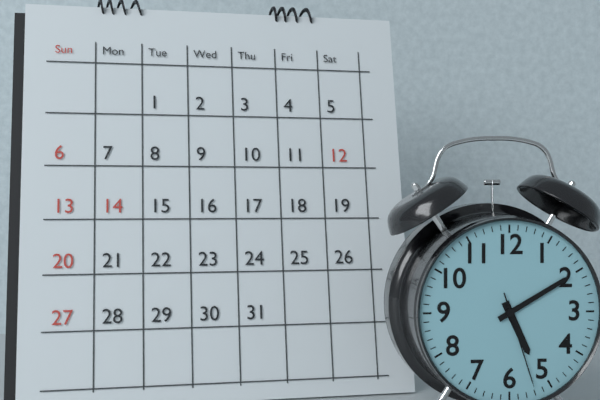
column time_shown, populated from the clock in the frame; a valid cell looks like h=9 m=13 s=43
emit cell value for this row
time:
h=5 m=10 s=27
